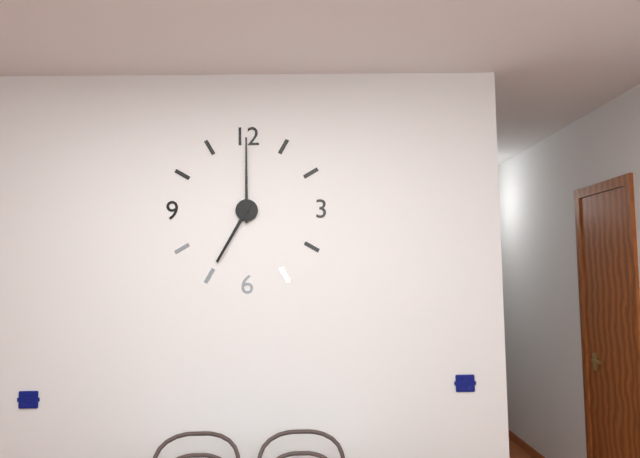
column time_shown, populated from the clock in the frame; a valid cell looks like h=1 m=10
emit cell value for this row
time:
h=7 m=0
